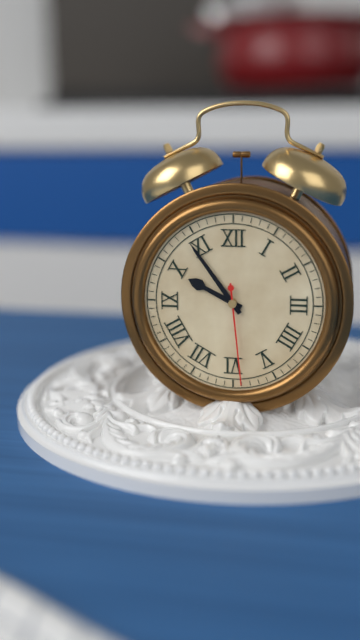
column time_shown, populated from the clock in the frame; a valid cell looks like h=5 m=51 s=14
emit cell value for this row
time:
h=9 m=54 s=29
